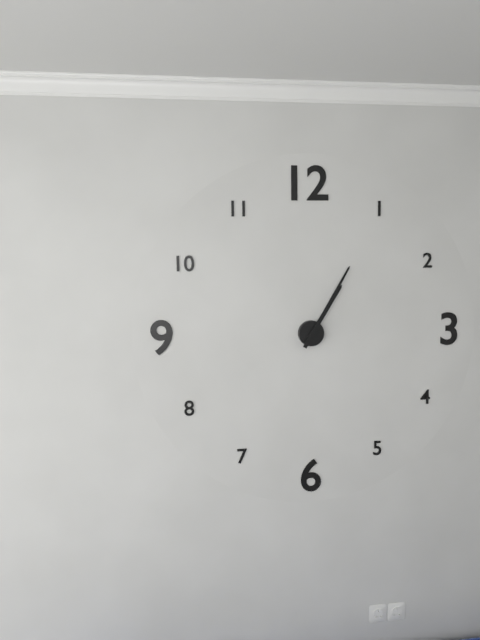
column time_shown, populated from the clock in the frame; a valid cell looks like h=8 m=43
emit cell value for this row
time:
h=1 m=5
